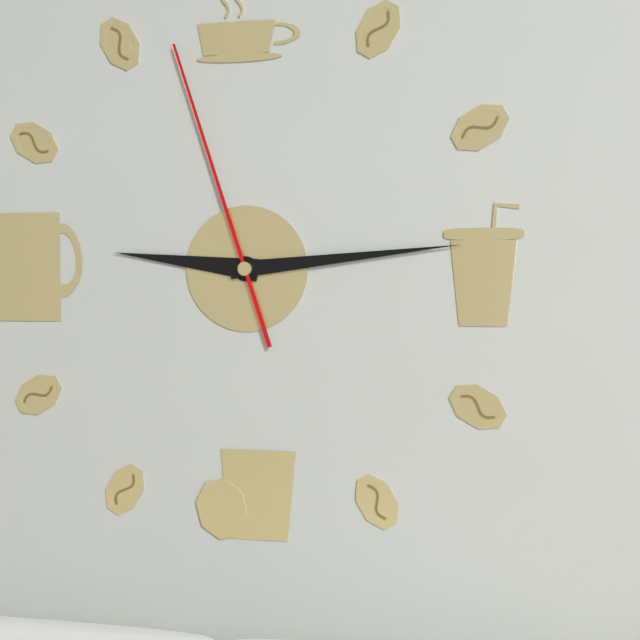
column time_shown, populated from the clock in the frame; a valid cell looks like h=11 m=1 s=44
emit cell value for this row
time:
h=9 m=14 s=57
